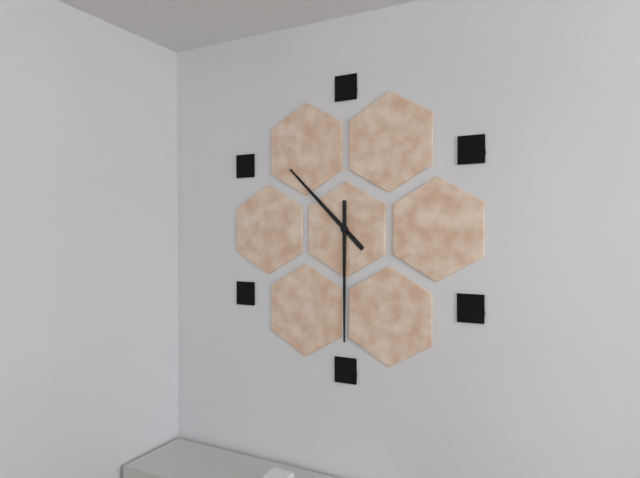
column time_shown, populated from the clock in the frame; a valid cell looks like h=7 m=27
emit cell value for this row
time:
h=10 m=30
